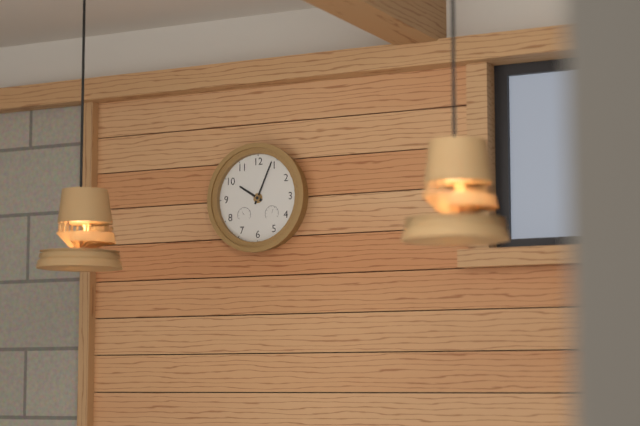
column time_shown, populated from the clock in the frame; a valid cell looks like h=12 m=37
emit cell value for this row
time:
h=10 m=4
